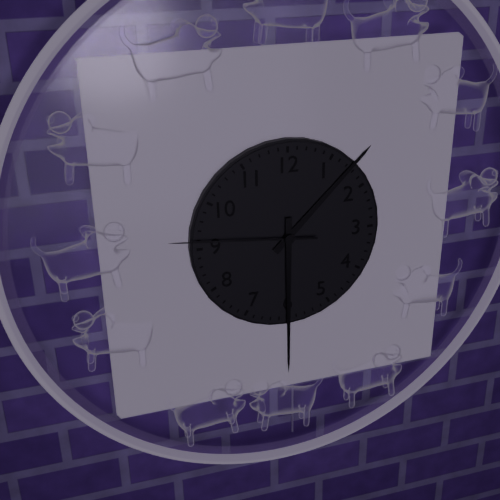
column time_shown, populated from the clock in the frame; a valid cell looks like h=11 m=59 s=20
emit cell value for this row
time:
h=1 m=30 s=46
